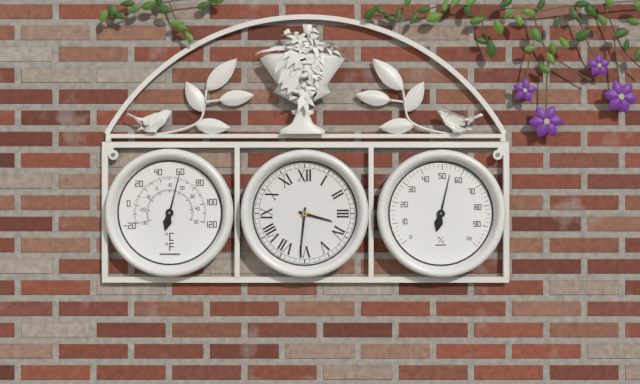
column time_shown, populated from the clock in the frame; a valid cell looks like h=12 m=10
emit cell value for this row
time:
h=3 m=31
